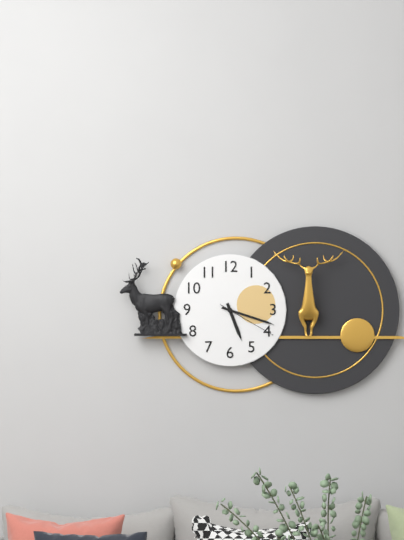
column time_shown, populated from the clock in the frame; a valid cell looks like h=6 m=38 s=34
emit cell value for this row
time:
h=5 m=18 s=20
